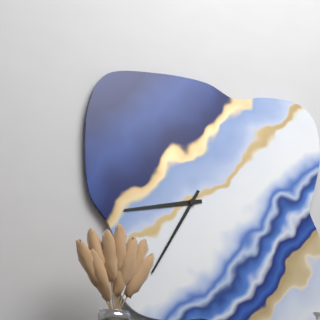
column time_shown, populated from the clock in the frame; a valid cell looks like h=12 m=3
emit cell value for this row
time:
h=8 m=35
